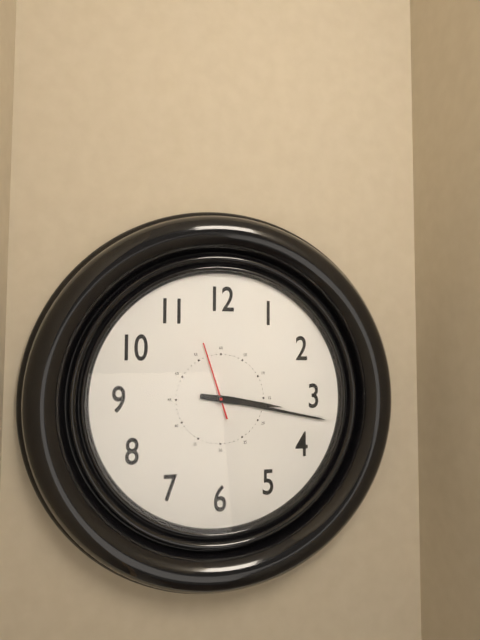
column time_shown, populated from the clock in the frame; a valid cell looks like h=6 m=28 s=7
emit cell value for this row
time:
h=3 m=17 s=57
